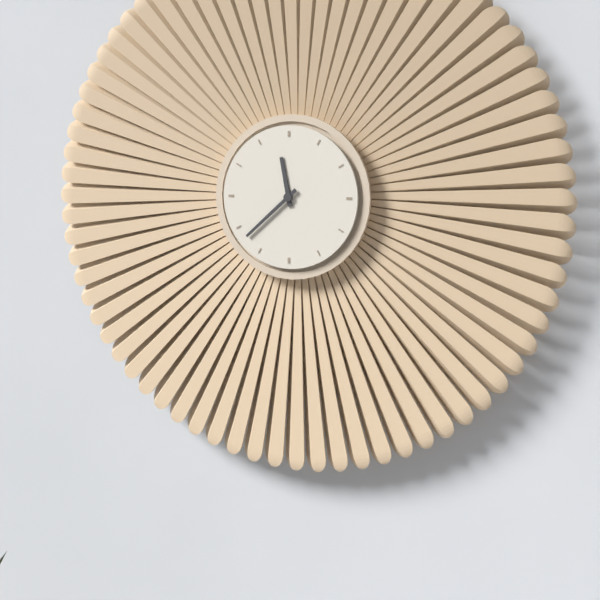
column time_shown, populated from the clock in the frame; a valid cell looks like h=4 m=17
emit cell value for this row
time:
h=11 m=38
